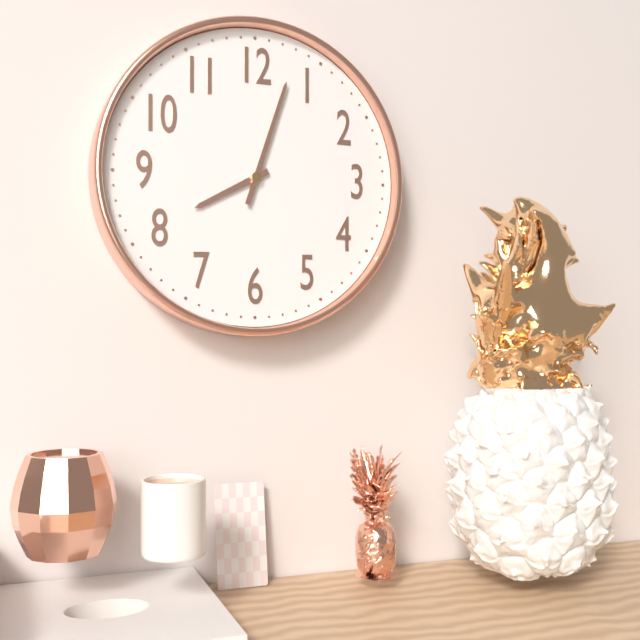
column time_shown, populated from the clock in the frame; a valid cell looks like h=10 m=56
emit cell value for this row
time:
h=8 m=3
